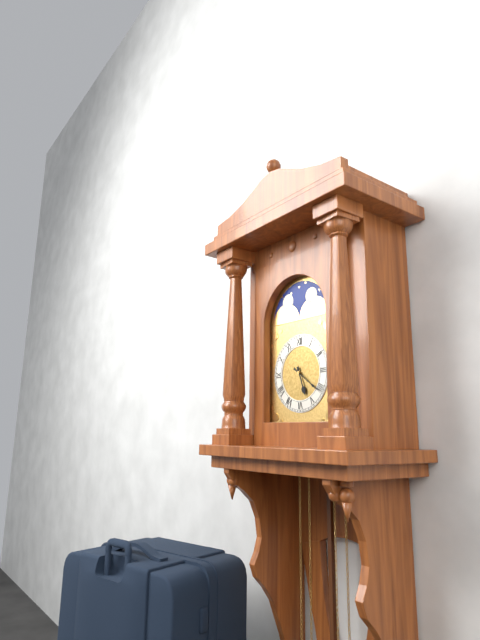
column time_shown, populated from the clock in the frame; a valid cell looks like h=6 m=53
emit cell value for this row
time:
h=5 m=21
